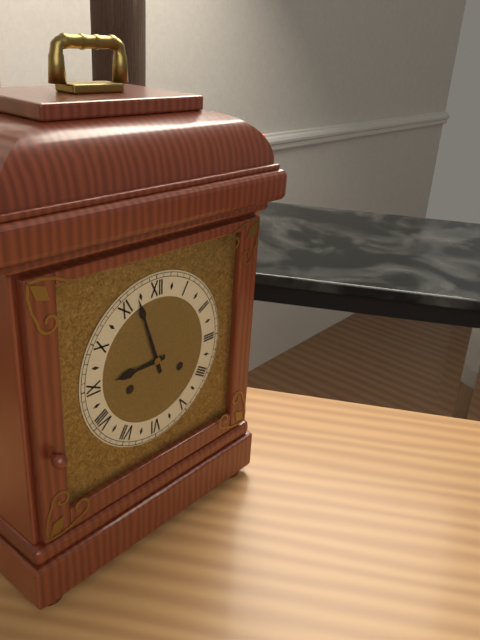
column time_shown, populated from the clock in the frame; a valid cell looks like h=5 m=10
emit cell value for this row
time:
h=8 m=57
